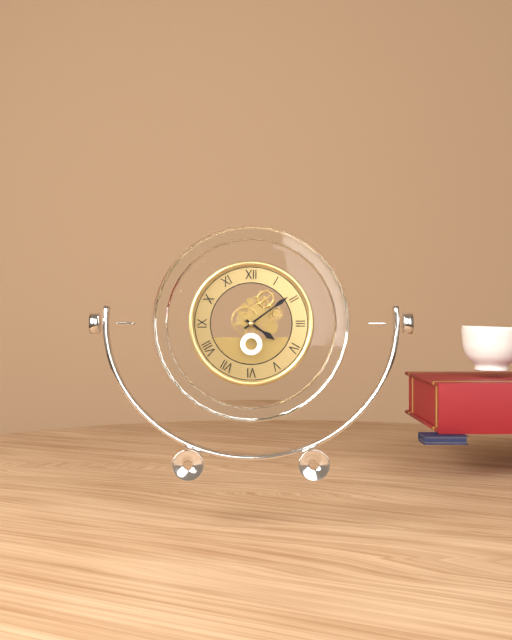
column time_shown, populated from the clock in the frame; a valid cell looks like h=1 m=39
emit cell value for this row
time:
h=4 m=9
